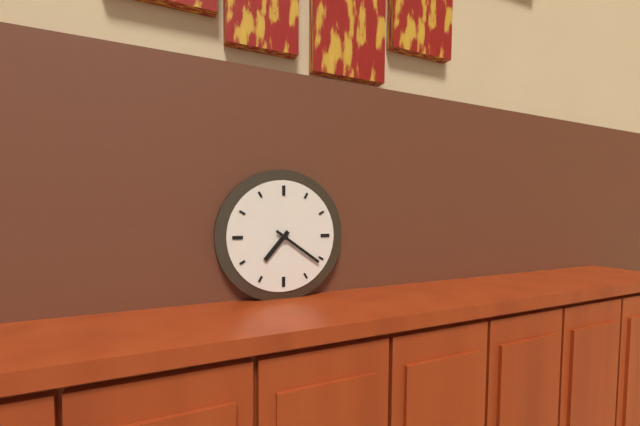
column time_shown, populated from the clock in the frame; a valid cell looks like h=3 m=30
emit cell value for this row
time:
h=7 m=21
